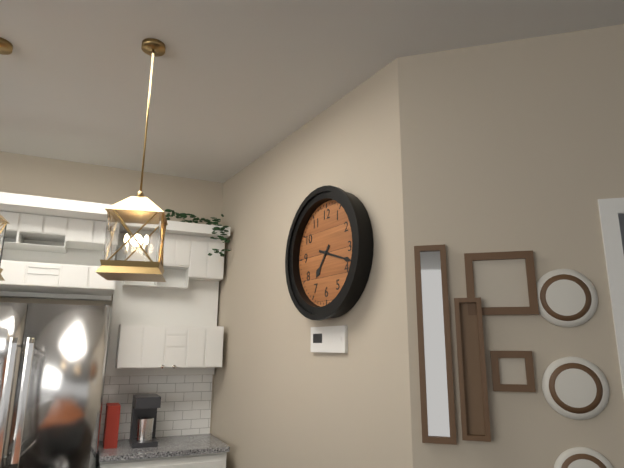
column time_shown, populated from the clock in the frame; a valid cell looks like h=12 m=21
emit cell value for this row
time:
h=7 m=18
